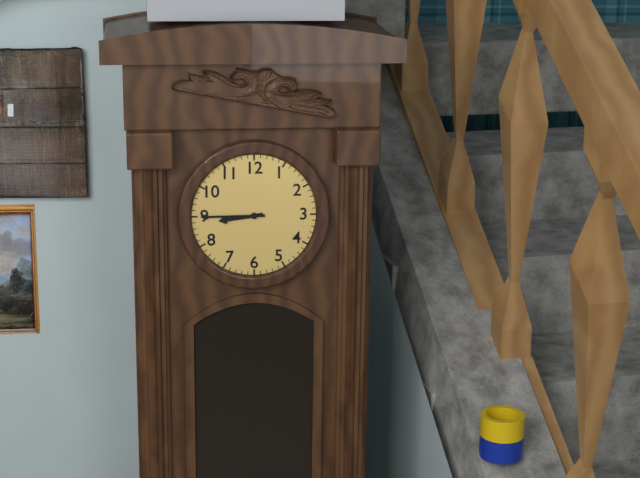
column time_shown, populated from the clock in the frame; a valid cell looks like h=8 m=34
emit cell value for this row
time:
h=8 m=45
